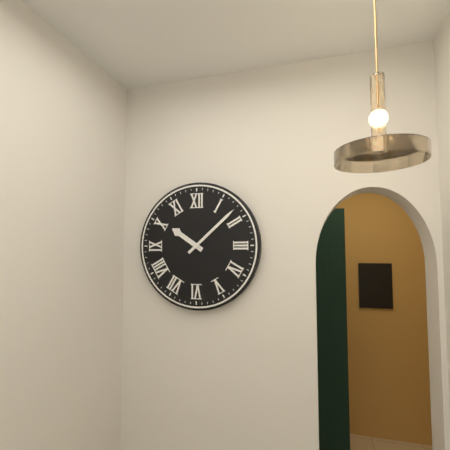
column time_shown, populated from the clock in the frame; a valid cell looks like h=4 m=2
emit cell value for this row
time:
h=10 m=8
